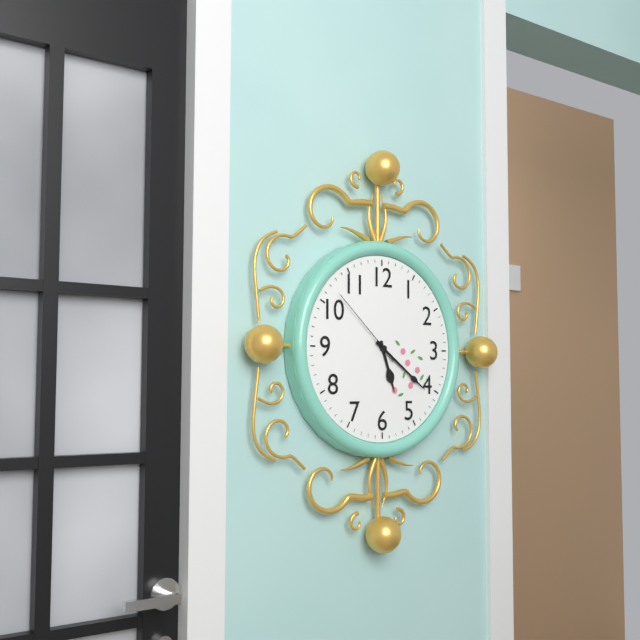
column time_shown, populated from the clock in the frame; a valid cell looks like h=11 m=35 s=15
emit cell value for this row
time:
h=5 m=21 s=52
